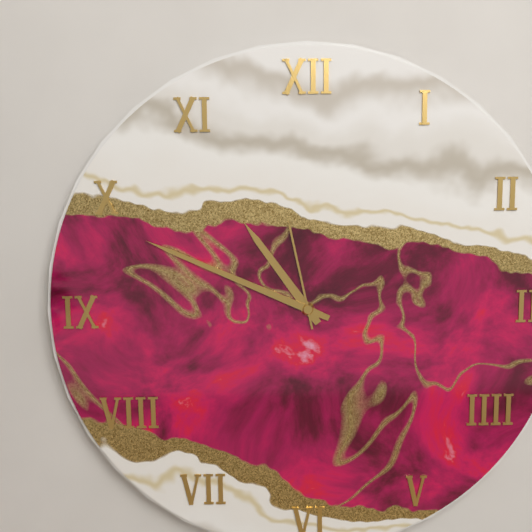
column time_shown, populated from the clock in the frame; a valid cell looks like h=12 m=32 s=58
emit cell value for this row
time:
h=10 m=49 s=58
